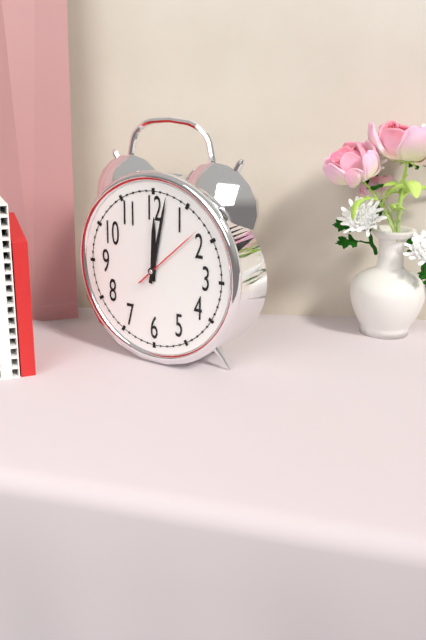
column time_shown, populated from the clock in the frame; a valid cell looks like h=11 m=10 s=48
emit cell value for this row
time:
h=12 m=2 s=8
